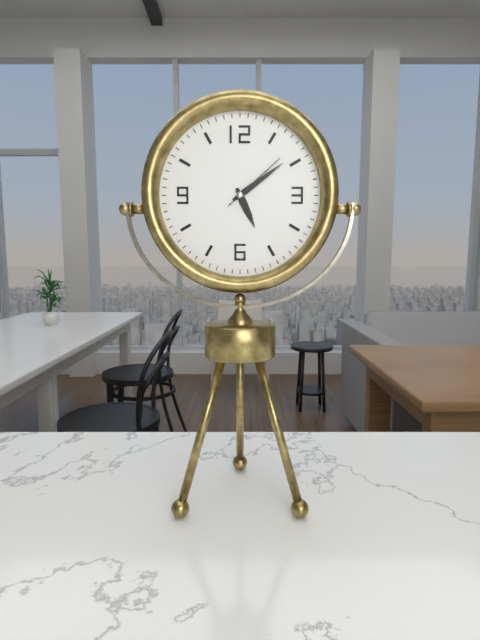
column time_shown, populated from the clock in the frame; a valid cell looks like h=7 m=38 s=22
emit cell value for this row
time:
h=5 m=9 s=8
